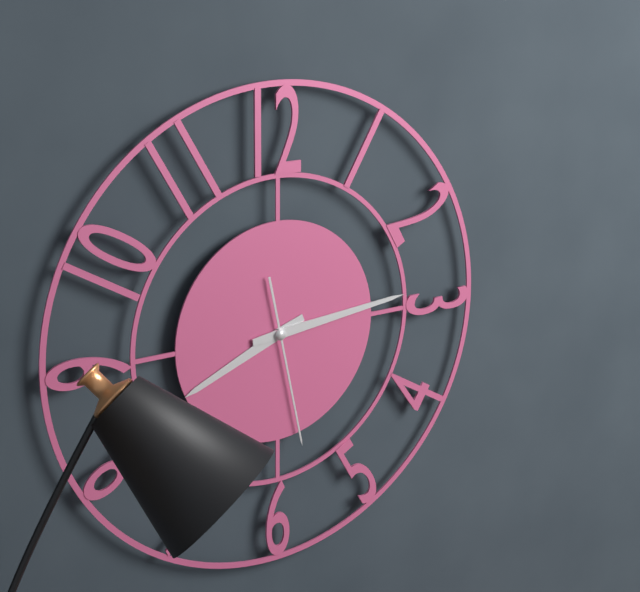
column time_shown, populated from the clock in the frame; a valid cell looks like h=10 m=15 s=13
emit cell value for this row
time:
h=8 m=14 s=28
